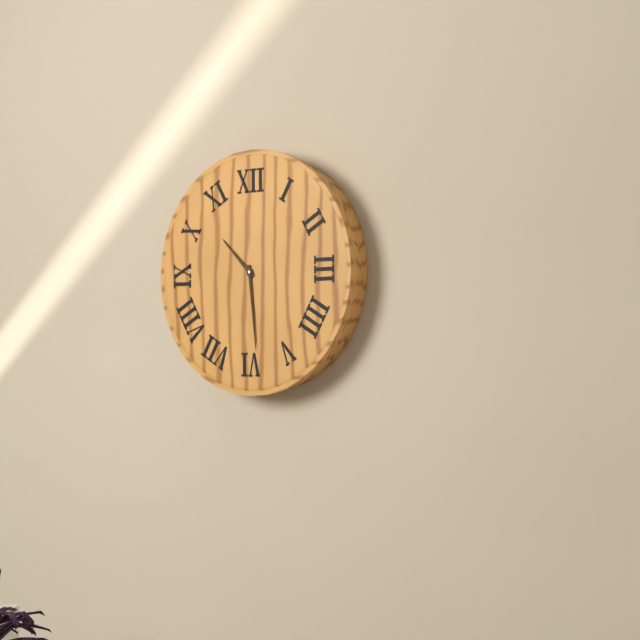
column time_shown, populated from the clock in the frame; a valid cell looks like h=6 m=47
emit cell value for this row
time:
h=10 m=29
